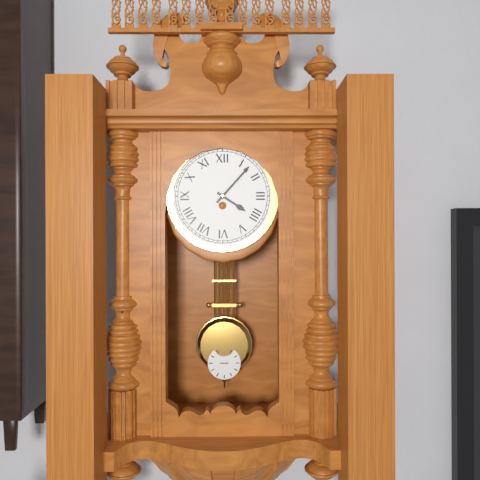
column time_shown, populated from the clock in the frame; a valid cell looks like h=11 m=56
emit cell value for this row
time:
h=4 m=7
